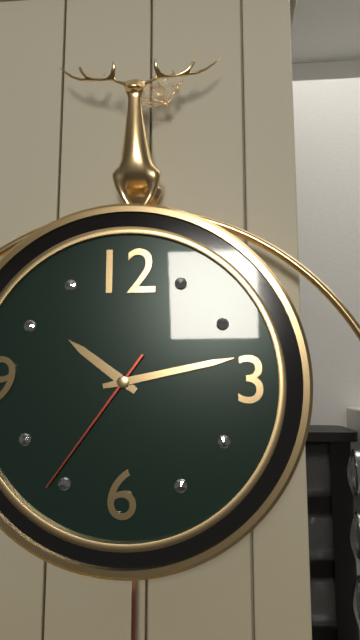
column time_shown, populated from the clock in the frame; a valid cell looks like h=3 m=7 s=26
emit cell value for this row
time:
h=10 m=13 s=36
